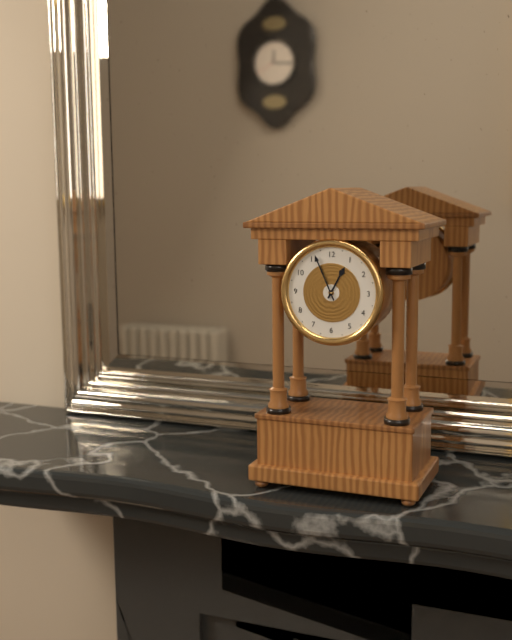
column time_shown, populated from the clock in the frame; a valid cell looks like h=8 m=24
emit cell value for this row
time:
h=12 m=56
